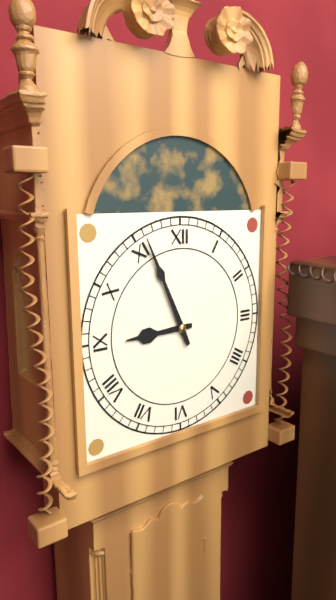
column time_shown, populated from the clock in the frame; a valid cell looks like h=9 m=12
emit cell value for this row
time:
h=8 m=56
